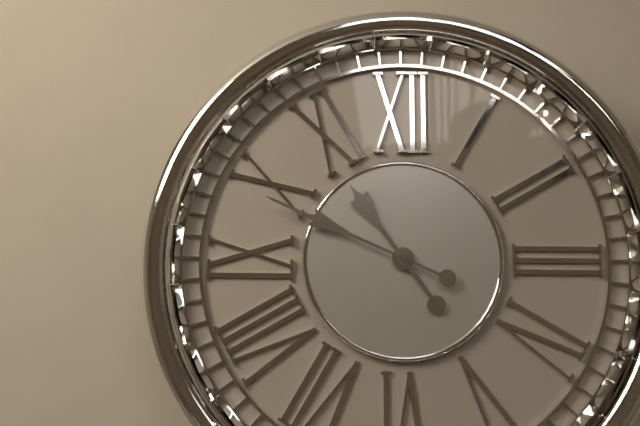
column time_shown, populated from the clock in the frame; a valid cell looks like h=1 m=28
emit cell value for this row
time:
h=10 m=49
